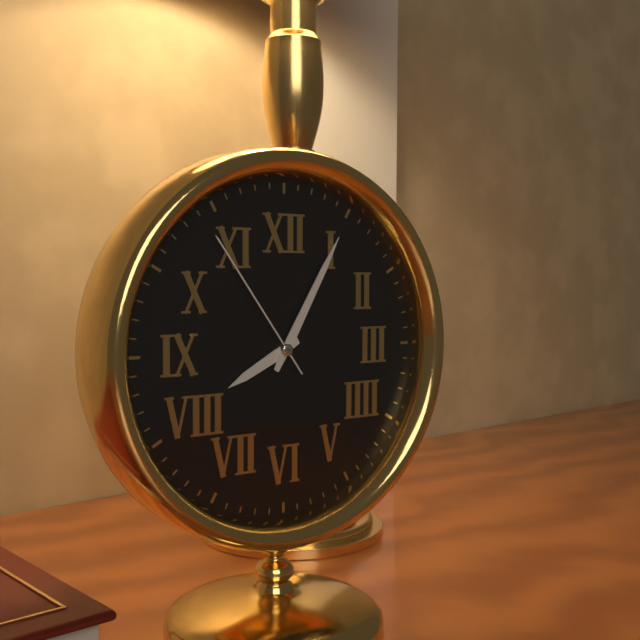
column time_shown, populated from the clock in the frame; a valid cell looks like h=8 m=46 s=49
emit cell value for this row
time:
h=8 m=5 s=54
